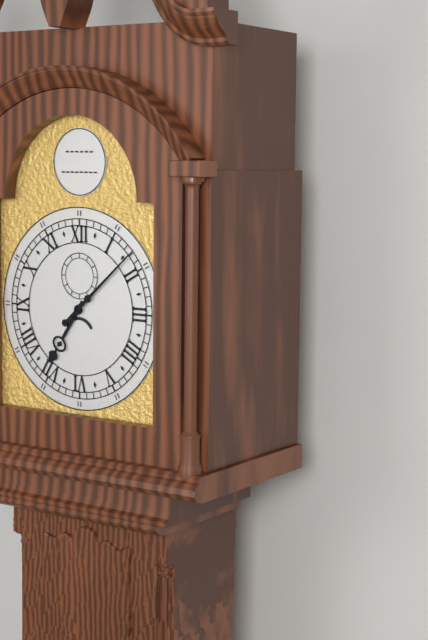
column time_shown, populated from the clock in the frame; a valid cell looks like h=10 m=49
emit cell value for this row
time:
h=7 m=8
